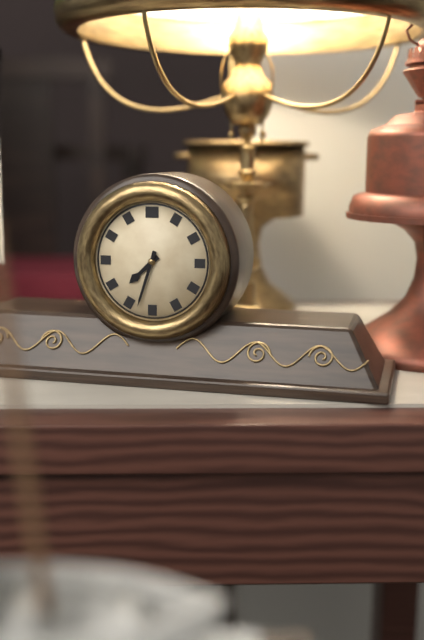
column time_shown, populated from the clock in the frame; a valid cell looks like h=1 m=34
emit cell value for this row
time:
h=7 m=33
